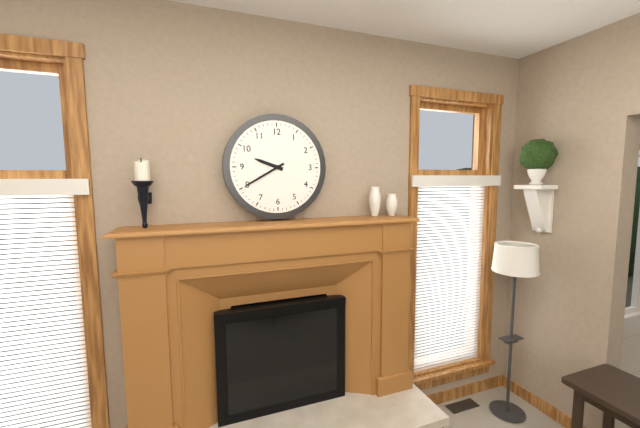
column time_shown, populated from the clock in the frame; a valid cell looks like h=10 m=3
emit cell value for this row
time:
h=9 m=40
